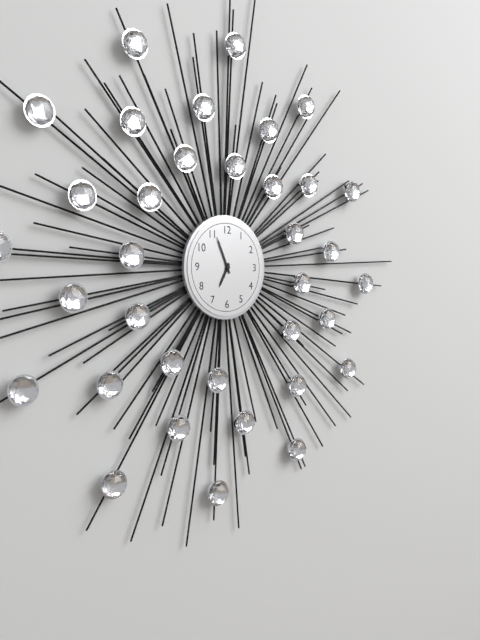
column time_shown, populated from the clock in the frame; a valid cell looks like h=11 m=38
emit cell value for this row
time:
h=6 m=56
